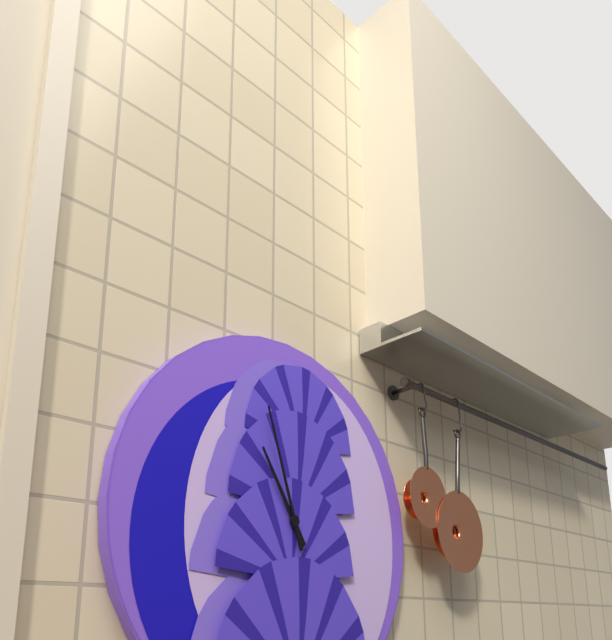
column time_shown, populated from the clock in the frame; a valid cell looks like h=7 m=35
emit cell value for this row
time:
h=10 m=57
